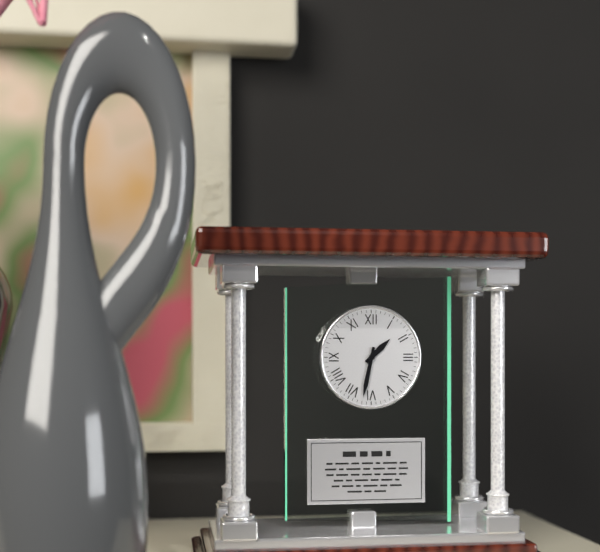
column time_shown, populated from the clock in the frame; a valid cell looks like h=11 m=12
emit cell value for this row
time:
h=1 m=32
